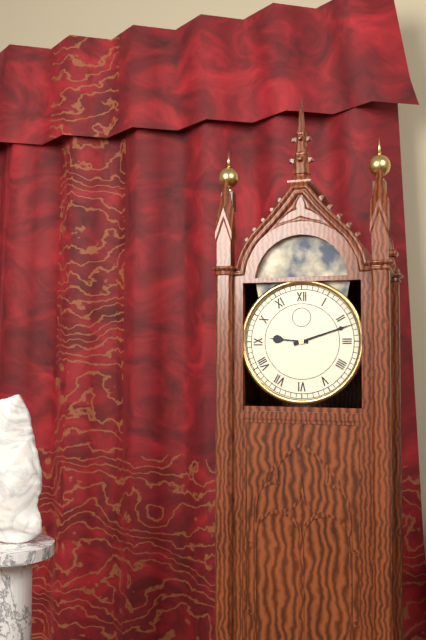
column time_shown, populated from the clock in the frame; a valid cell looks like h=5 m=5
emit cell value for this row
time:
h=9 m=12
